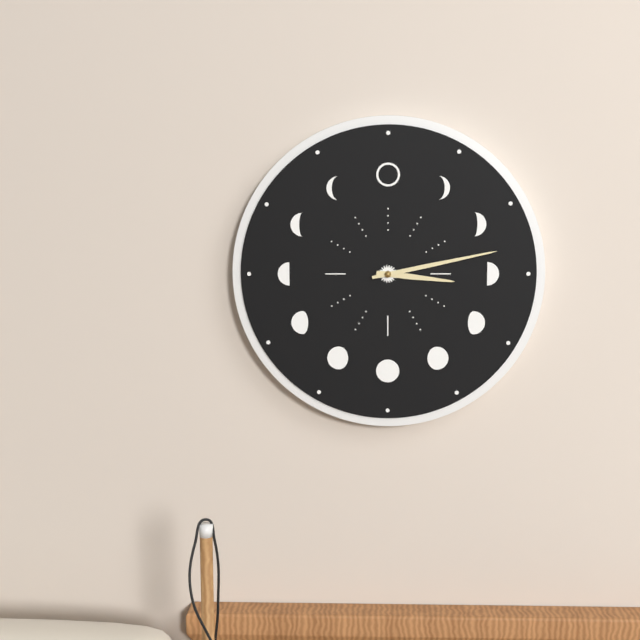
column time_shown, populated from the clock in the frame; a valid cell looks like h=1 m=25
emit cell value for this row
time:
h=3 m=13
